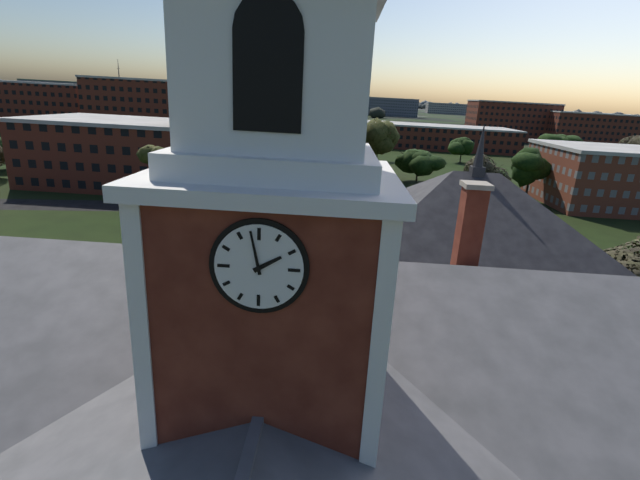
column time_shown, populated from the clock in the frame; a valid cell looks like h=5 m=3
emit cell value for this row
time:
h=1 m=58
